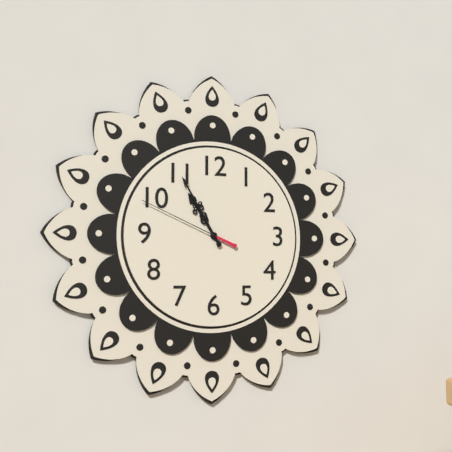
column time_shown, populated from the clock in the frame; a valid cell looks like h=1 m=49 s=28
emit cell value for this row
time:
h=10 m=55 s=49
